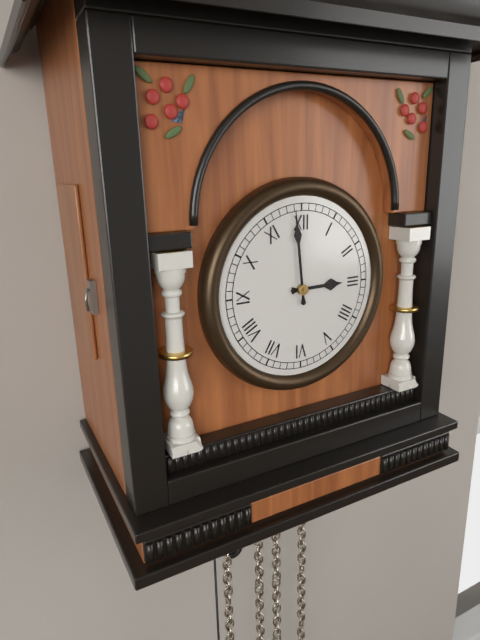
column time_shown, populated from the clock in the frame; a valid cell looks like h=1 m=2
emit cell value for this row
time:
h=2 m=59
